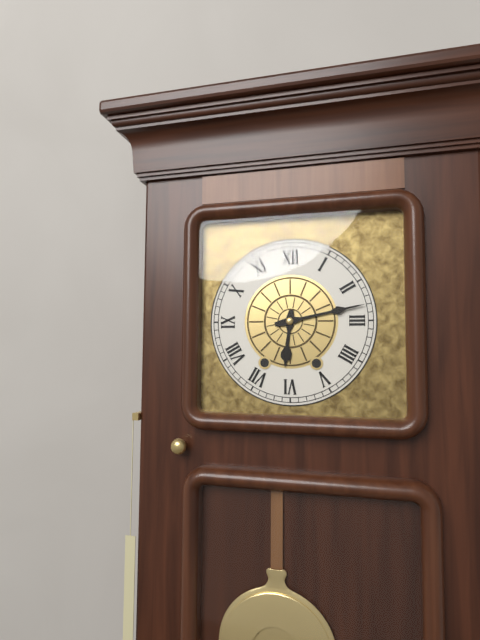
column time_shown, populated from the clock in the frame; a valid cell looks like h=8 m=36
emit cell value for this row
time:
h=6 m=13
